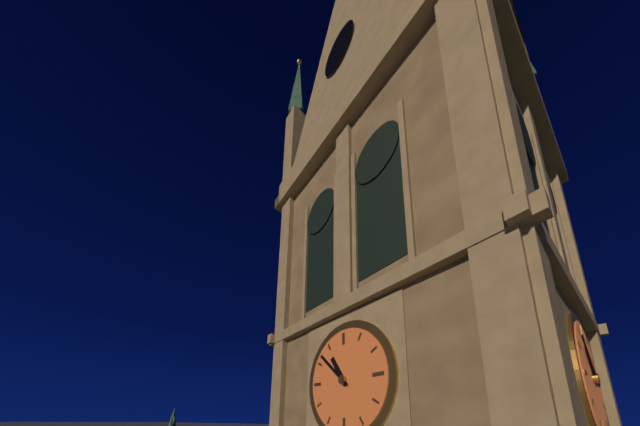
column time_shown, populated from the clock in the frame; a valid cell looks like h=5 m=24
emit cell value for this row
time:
h=10 m=52
